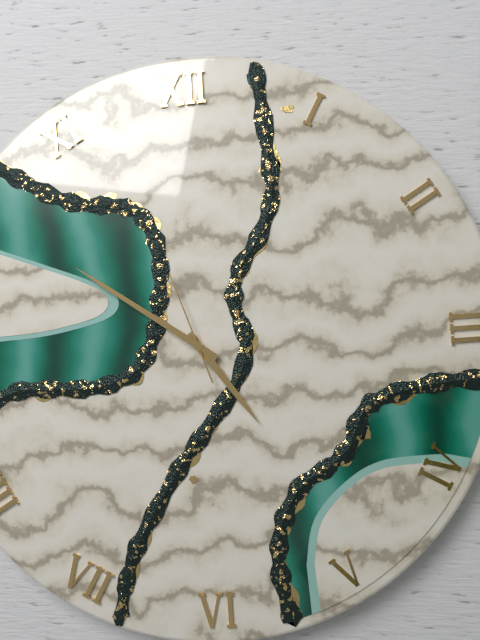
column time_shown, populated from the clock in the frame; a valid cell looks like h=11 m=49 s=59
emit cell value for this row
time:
h=4 m=51 s=57
